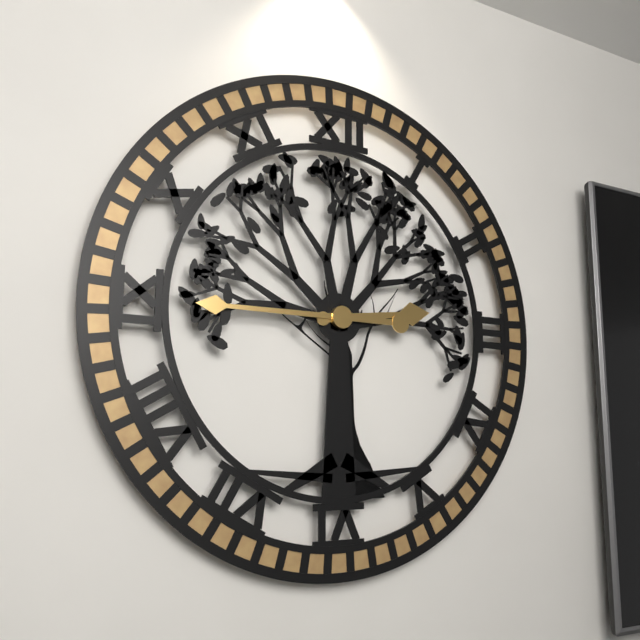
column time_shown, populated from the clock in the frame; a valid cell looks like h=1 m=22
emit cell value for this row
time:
h=2 m=45
